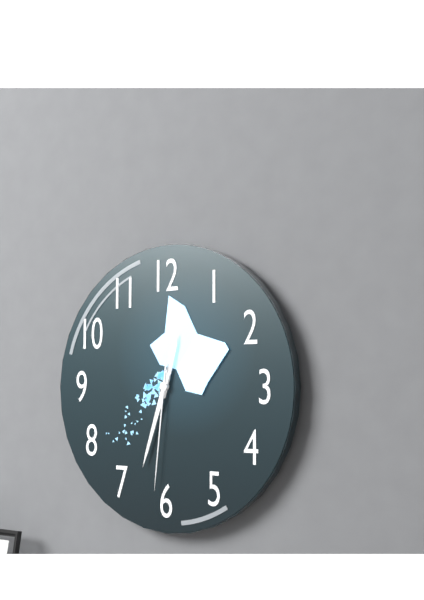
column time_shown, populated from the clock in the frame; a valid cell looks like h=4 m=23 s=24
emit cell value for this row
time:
h=12 m=33 s=31
